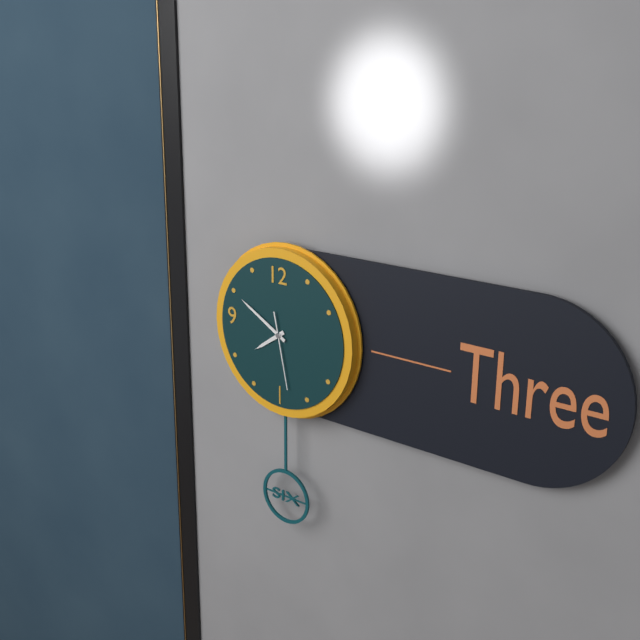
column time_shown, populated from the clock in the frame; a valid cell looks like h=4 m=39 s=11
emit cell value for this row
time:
h=7 m=50 s=28
